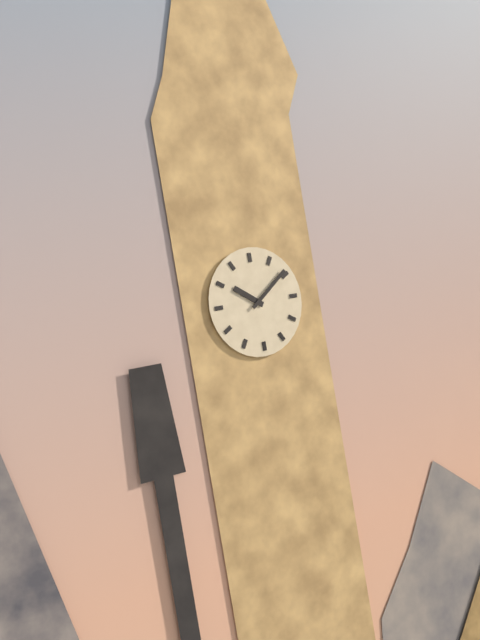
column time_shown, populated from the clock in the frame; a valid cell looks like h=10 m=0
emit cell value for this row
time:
h=10 m=9
